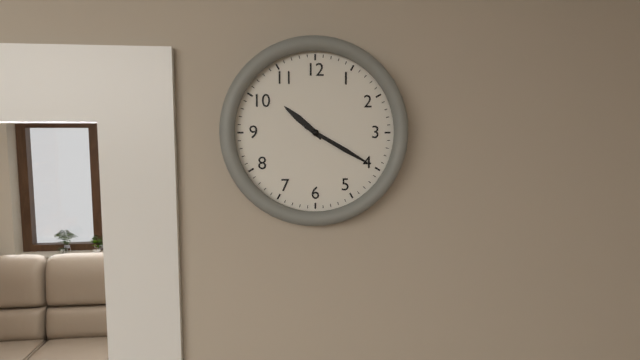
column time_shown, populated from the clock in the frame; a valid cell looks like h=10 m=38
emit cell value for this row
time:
h=10 m=20
